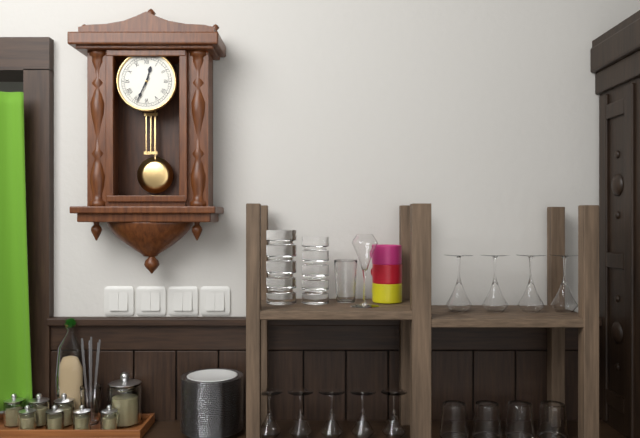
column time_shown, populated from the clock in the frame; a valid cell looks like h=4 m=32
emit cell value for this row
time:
h=12 m=34
